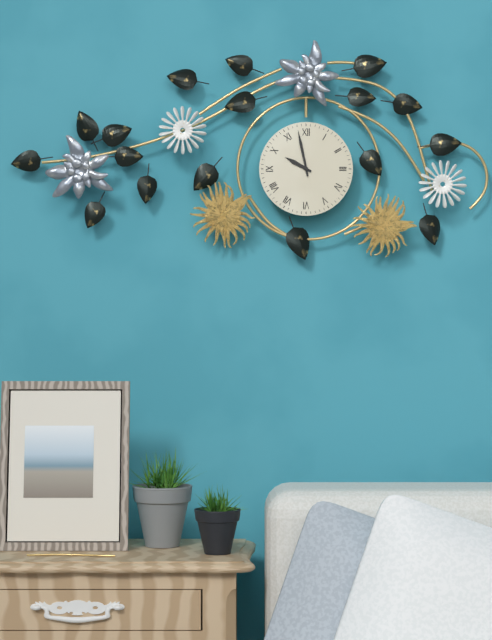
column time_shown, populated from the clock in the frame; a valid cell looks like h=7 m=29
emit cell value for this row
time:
h=9 m=58
